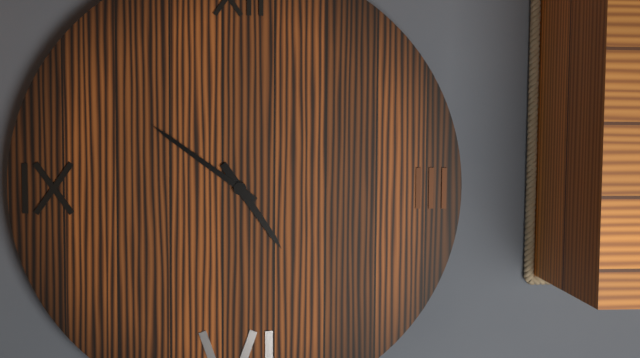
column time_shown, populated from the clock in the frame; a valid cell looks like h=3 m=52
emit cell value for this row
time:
h=4 m=51
